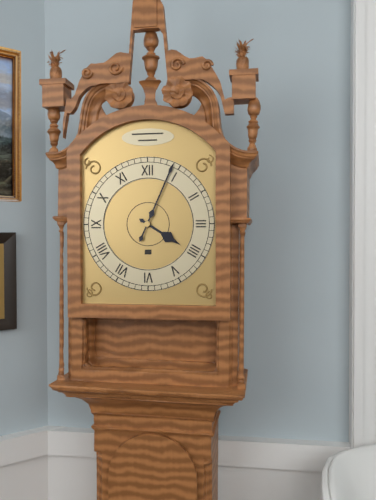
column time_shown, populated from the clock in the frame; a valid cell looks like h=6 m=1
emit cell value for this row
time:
h=4 m=4
